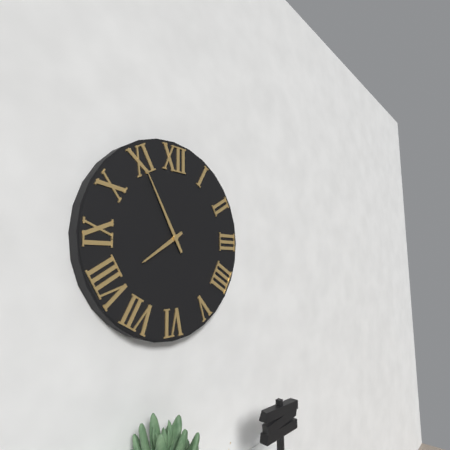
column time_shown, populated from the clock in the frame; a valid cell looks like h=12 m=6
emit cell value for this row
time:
h=7 m=55
